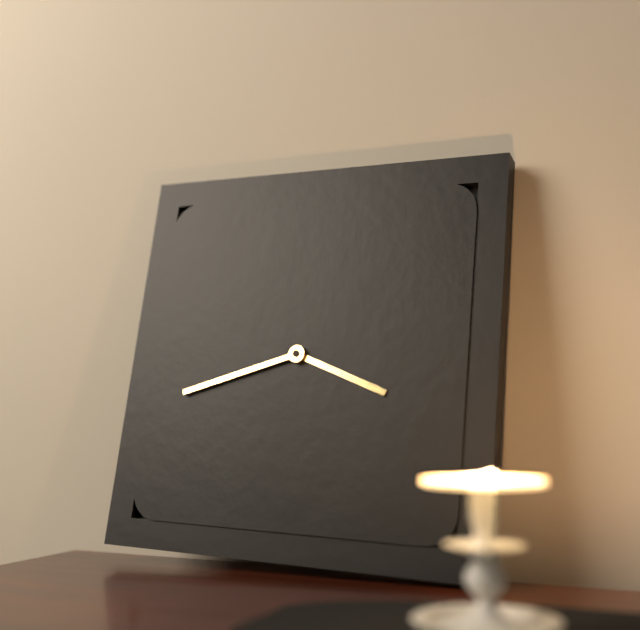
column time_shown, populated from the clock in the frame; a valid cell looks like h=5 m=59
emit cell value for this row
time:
h=3 m=42
